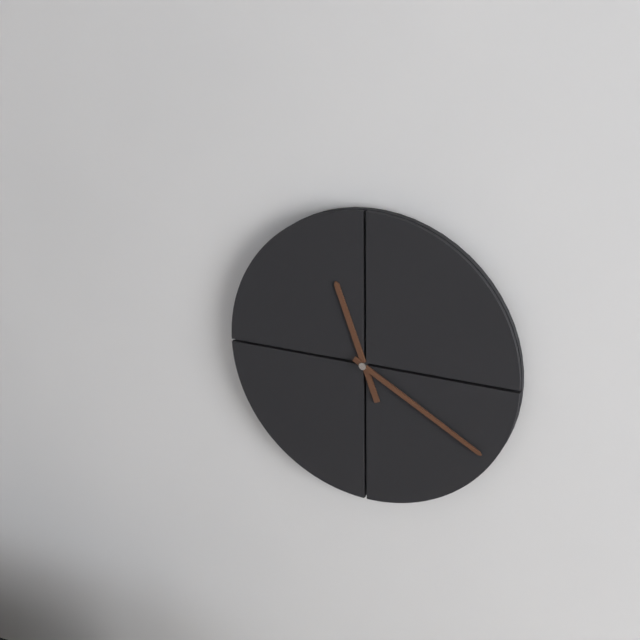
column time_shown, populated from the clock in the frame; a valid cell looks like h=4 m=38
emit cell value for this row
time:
h=11 m=20
